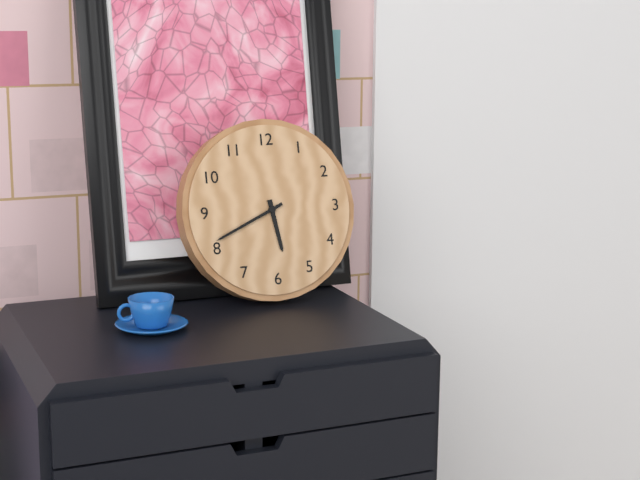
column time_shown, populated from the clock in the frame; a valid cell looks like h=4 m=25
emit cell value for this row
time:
h=5 m=41
